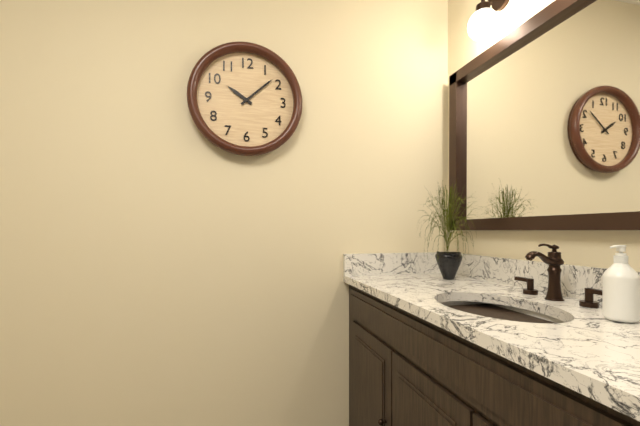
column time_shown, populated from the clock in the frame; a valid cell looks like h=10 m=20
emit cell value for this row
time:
h=10 m=8
